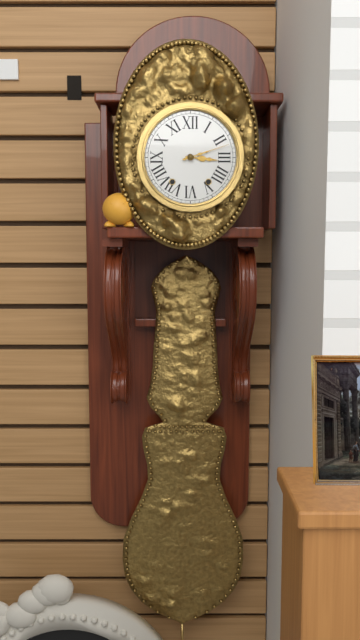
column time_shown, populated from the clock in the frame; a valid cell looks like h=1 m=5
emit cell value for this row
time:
h=3 m=12
